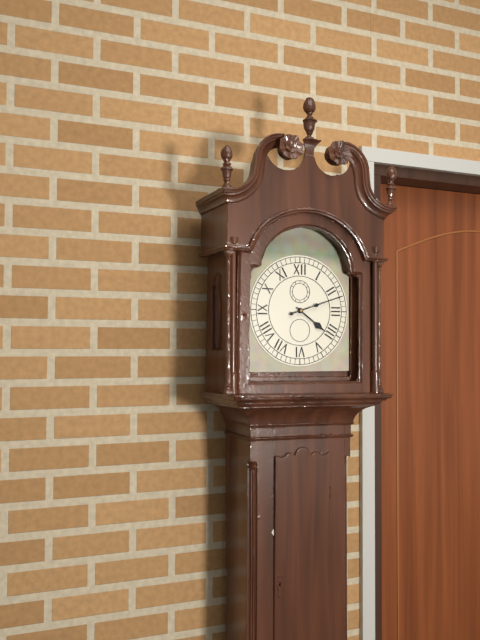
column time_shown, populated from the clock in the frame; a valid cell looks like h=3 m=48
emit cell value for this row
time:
h=4 m=12
